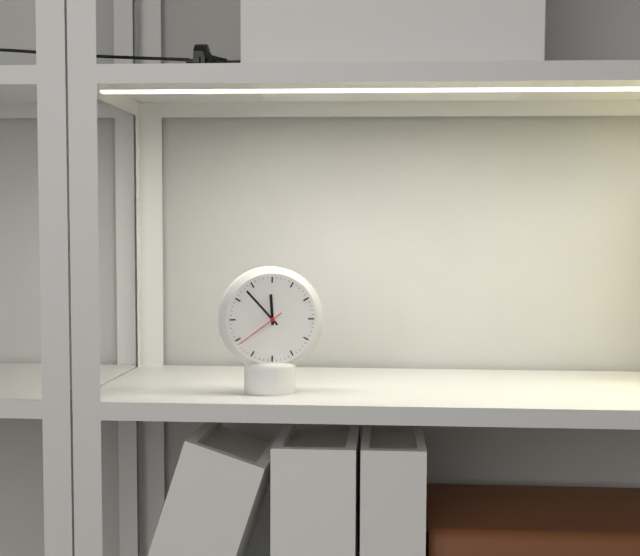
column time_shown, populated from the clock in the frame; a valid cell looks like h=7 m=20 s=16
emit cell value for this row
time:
h=11 m=53 s=39
